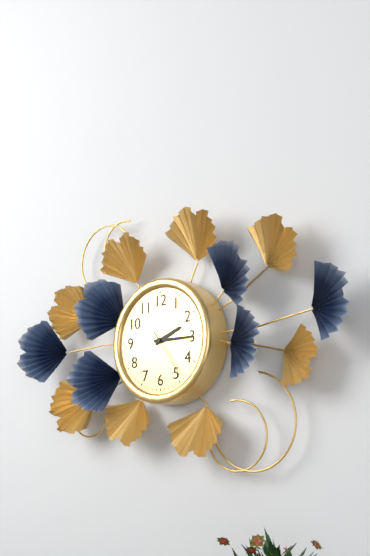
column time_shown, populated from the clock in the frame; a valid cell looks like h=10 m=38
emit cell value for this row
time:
h=2 m=15
